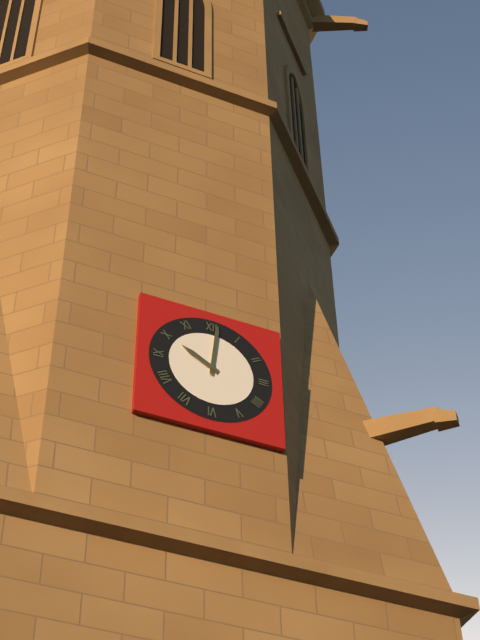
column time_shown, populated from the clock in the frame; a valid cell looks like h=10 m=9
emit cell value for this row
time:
h=10 m=1
